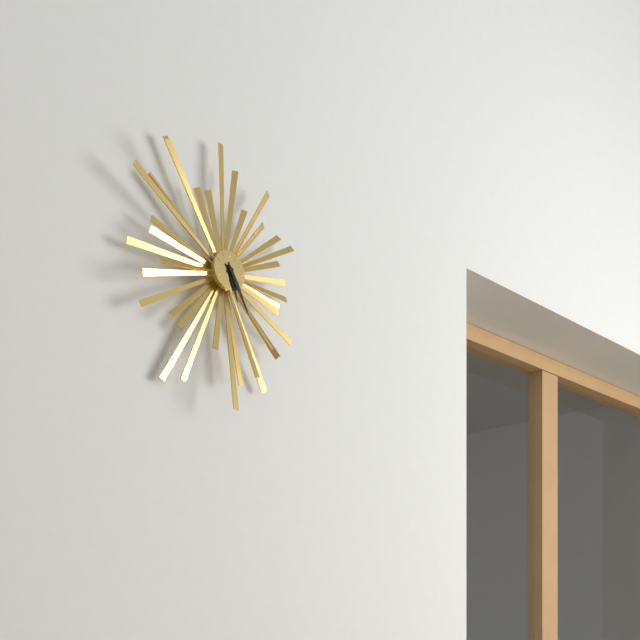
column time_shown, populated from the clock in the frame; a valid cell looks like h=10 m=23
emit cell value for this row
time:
h=5 m=25
